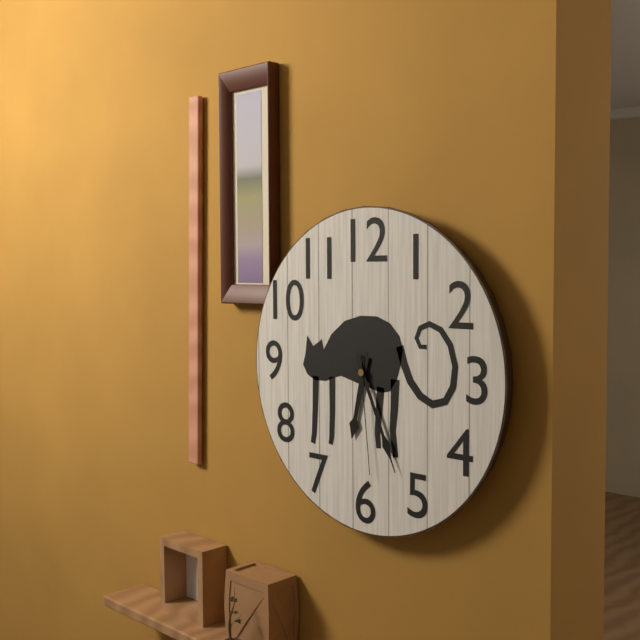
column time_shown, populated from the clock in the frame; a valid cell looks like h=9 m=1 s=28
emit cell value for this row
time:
h=6 m=26 s=29
